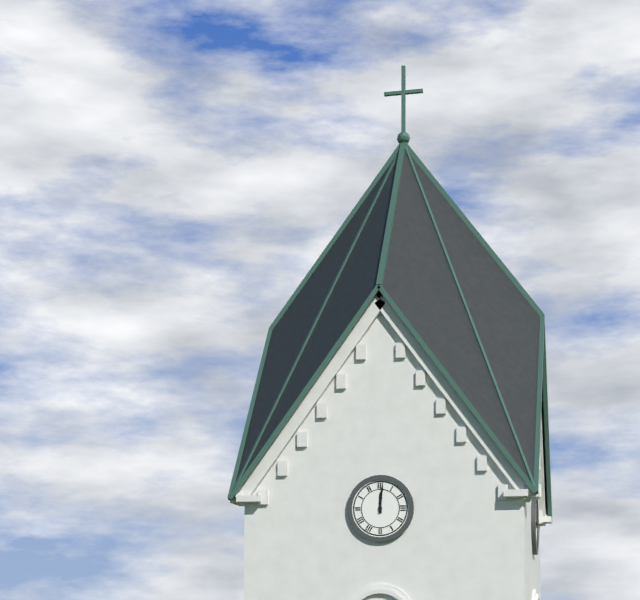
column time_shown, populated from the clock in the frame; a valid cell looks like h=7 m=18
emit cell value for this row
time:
h=12 m=1
